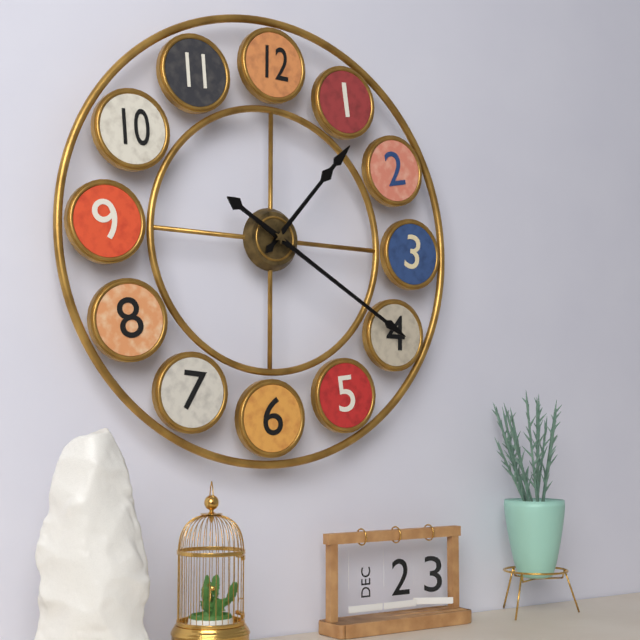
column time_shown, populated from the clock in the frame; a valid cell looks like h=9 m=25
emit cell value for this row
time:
h=1 m=20
